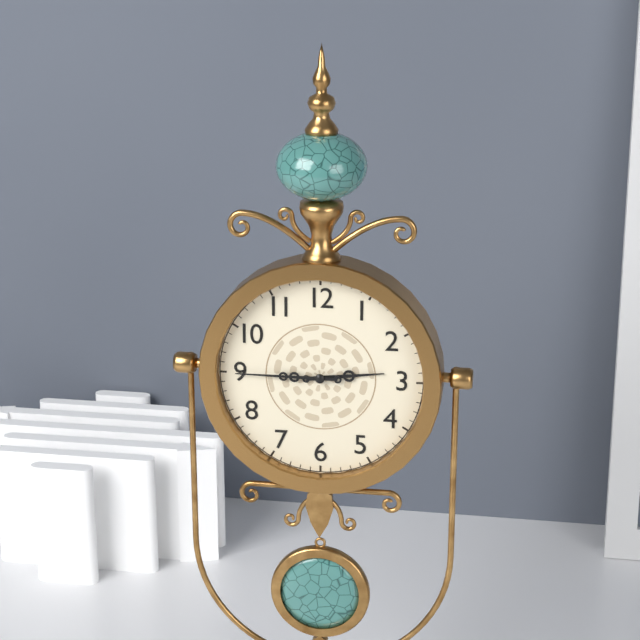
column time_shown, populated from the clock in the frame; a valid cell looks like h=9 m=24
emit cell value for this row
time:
h=2 m=45
